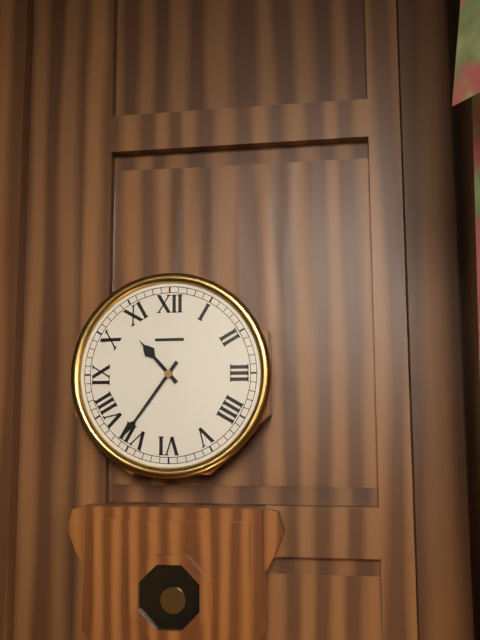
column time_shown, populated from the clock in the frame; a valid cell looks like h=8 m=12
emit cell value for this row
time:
h=10 m=36
